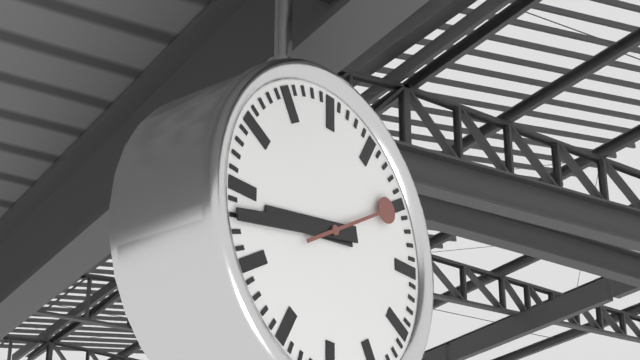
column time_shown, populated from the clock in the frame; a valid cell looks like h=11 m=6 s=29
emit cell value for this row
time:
h=8 m=43 s=10
